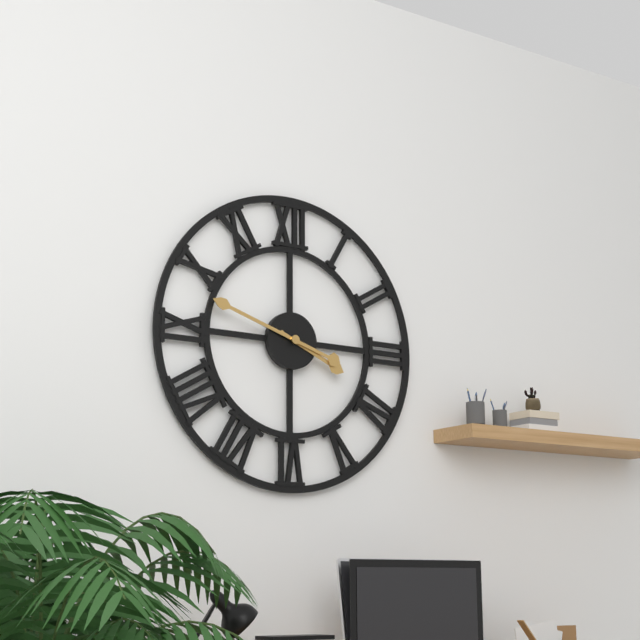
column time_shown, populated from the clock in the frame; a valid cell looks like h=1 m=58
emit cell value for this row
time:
h=3 m=48
